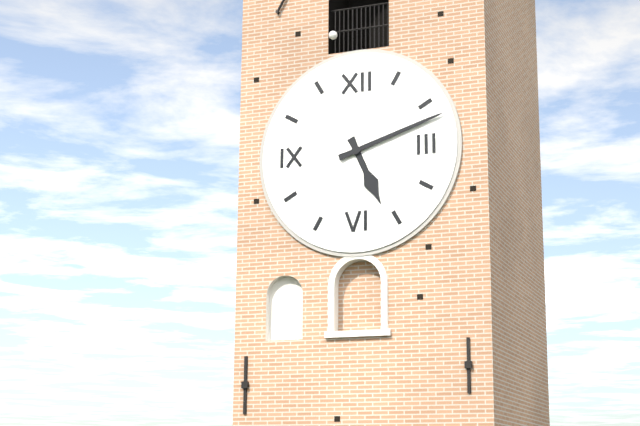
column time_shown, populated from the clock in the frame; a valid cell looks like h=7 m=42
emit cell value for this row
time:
h=5 m=12
